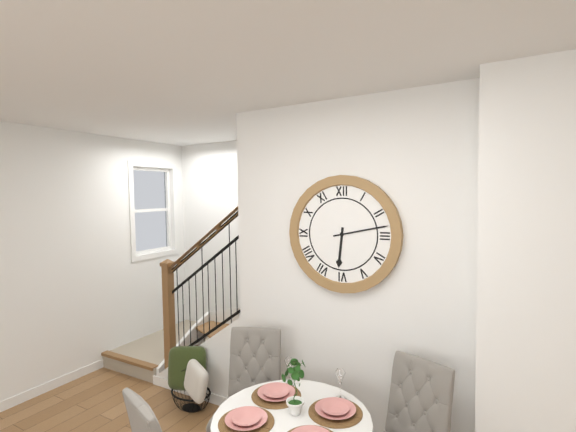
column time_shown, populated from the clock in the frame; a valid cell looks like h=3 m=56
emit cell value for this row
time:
h=6 m=13
